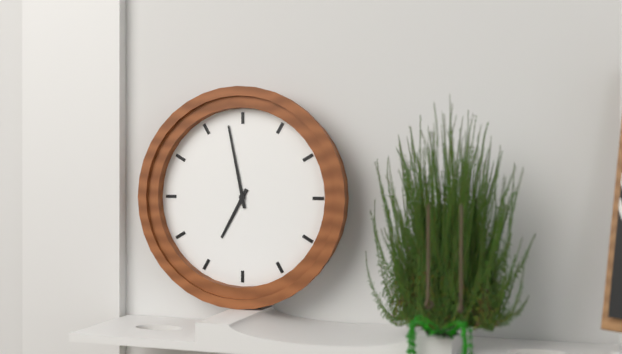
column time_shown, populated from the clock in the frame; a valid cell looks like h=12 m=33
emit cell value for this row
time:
h=6 m=58
